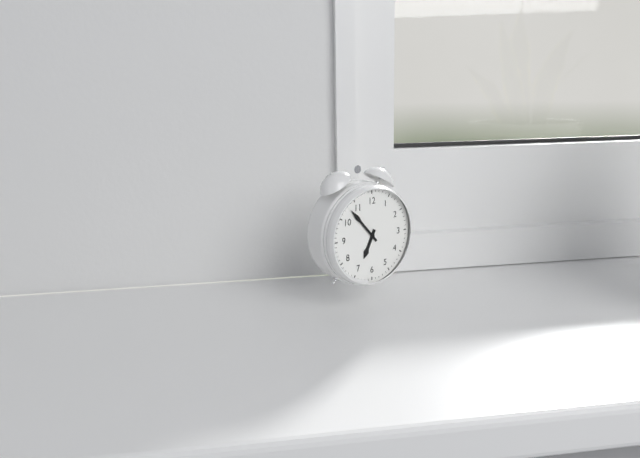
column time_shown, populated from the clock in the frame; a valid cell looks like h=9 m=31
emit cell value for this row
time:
h=6 m=53
